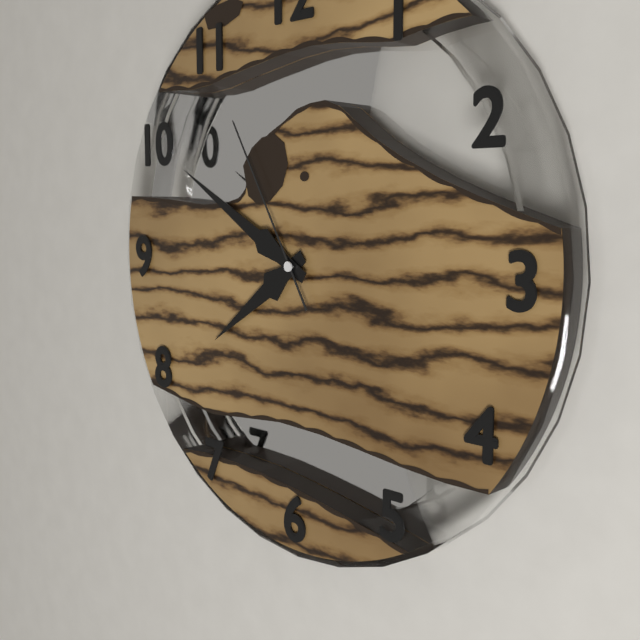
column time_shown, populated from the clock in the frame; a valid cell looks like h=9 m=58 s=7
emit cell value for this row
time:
h=7 m=50 s=55
